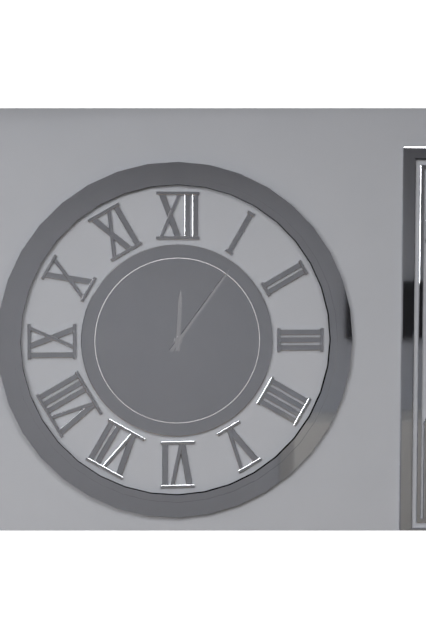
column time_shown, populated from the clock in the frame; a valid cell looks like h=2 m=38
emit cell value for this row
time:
h=12 m=6
